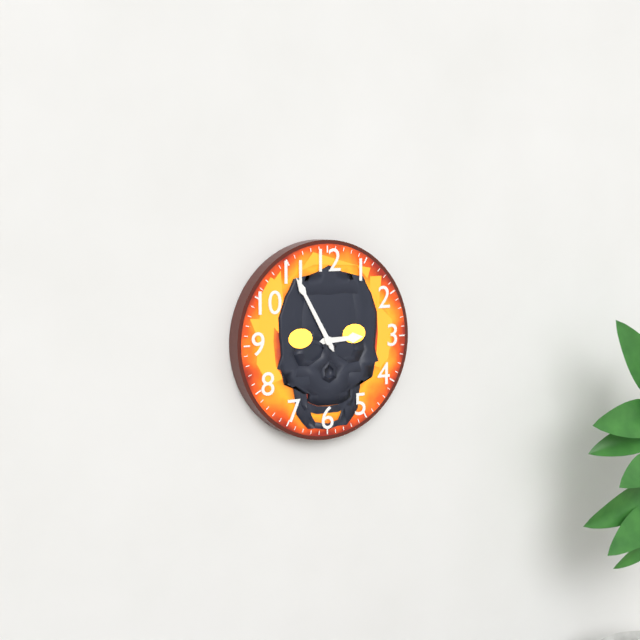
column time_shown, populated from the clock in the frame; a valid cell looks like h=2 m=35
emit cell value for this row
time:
h=2 m=55
